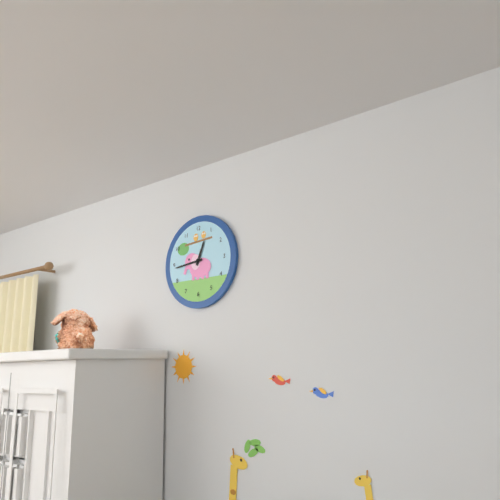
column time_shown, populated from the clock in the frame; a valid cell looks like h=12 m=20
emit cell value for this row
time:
h=12 m=44
